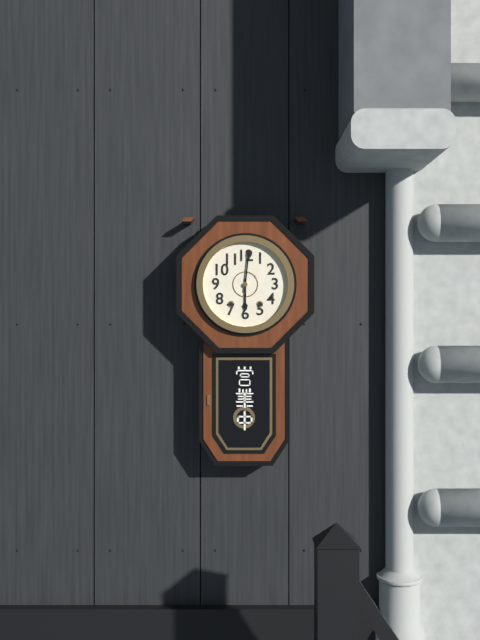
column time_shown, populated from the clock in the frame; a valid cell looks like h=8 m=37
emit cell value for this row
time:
h=6 m=1
